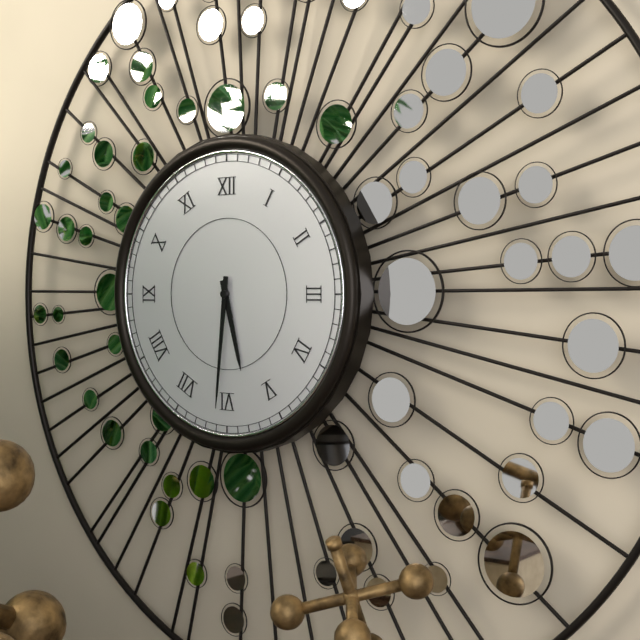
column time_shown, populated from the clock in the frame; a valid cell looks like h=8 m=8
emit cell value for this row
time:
h=5 m=31
